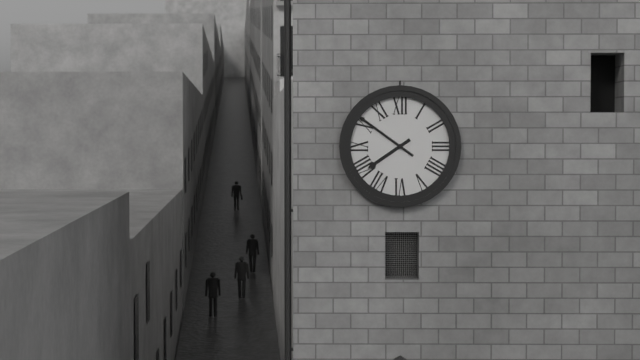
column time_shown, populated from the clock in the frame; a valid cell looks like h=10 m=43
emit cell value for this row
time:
h=7 m=51
